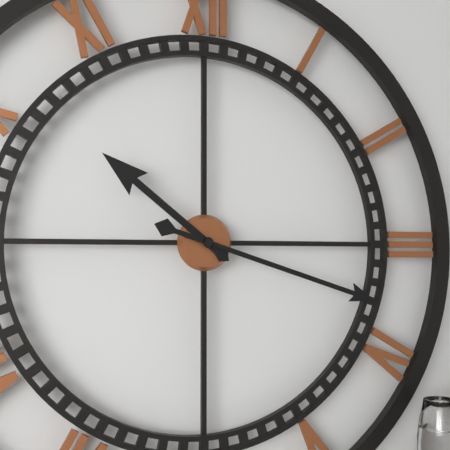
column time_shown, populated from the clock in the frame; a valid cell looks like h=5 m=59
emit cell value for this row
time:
h=10 m=18
